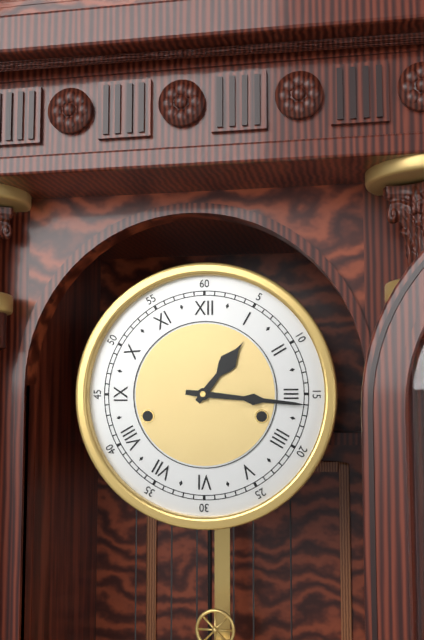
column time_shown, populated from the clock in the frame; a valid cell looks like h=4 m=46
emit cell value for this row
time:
h=1 m=16
